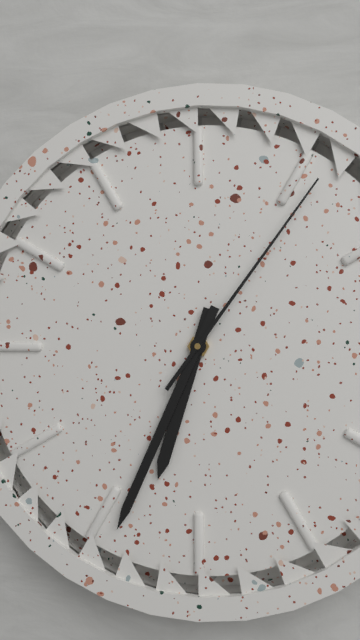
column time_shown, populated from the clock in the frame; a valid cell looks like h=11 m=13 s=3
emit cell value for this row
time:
h=6 m=34 s=6
